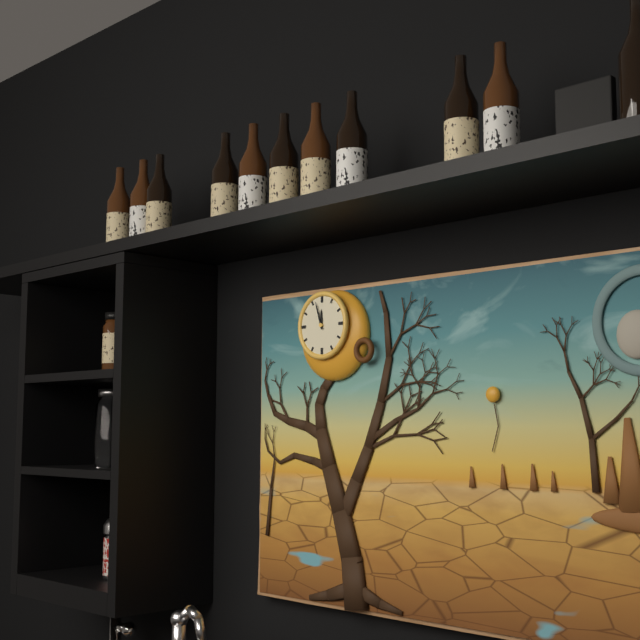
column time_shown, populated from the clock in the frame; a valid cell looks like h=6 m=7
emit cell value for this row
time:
h=11 m=57
